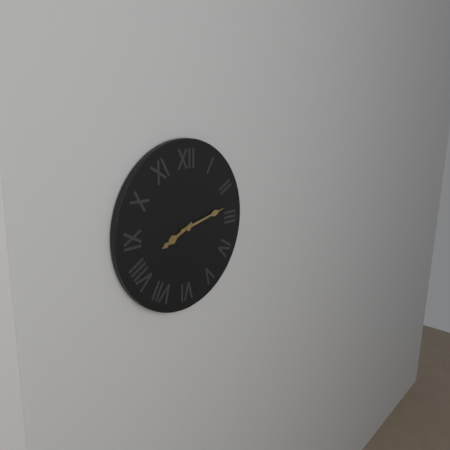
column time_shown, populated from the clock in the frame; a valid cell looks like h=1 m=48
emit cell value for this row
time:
h=8 m=13
